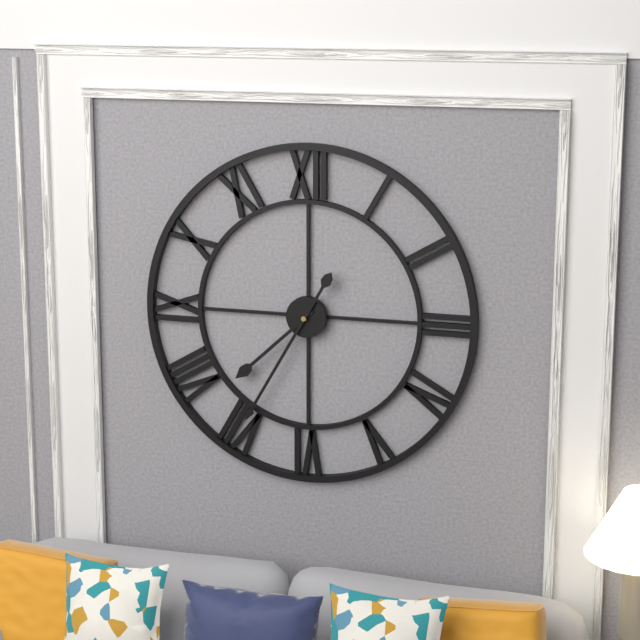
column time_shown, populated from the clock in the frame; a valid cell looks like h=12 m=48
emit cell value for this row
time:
h=7 m=35
